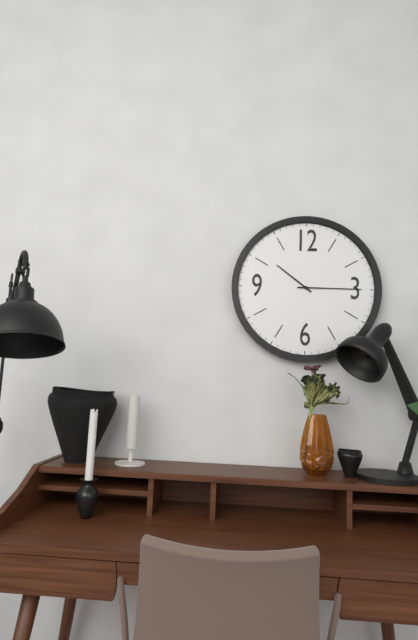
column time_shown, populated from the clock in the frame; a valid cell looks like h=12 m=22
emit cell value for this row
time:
h=10 m=15
